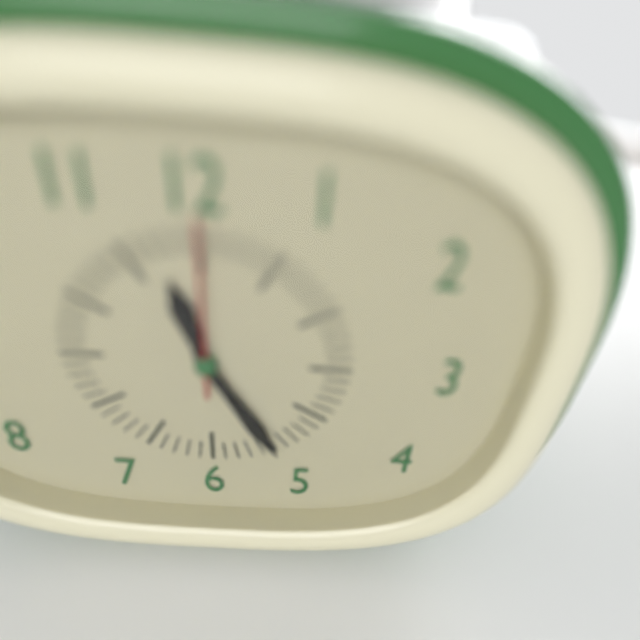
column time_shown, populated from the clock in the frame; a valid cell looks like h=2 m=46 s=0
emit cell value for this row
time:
h=11 m=25 s=0
